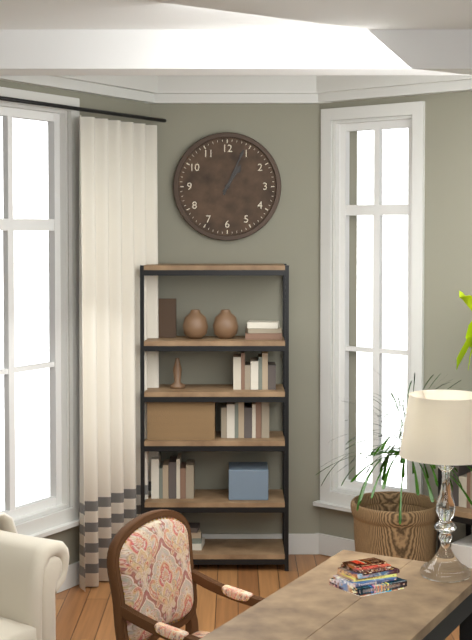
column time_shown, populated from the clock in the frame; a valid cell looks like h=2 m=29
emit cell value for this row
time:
h=1 m=4
